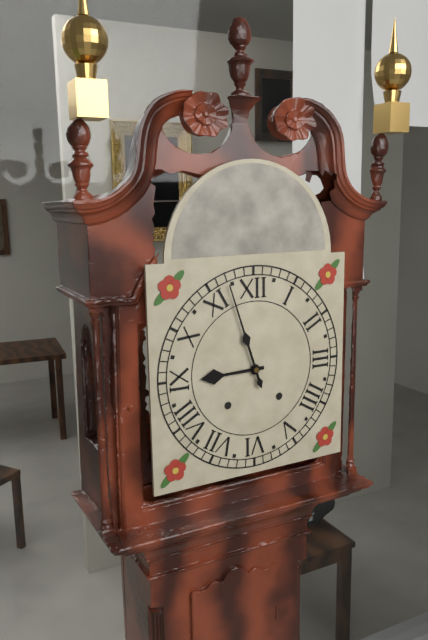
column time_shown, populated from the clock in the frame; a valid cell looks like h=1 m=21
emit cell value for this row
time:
h=8 m=57
